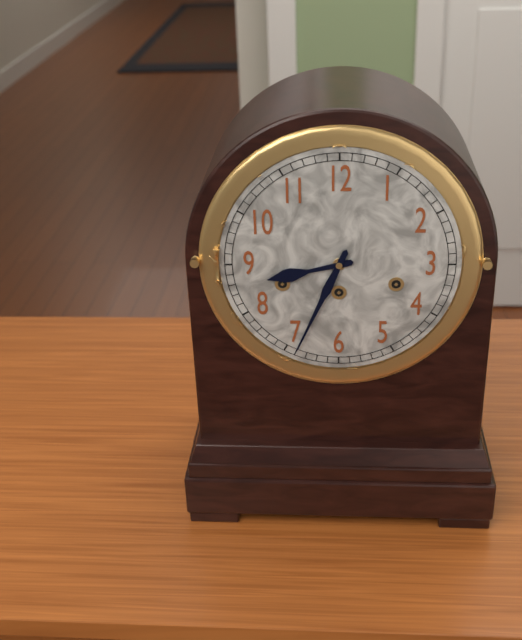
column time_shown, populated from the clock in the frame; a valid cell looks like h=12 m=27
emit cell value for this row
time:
h=8 m=34
